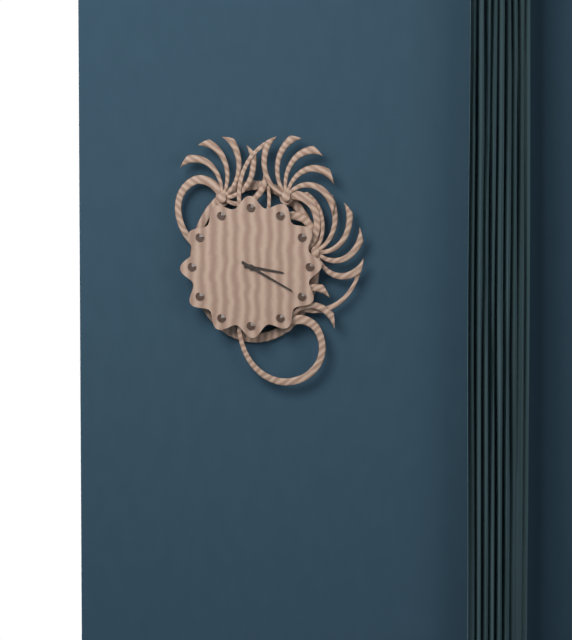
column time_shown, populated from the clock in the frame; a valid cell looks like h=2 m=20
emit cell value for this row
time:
h=3 m=20
